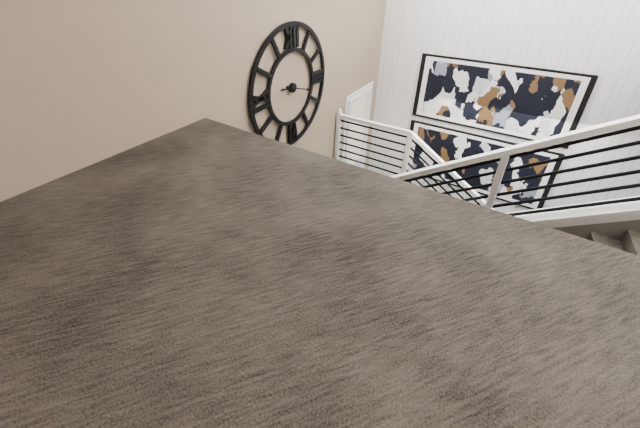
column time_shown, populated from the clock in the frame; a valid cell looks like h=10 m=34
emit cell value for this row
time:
h=9 m=18
